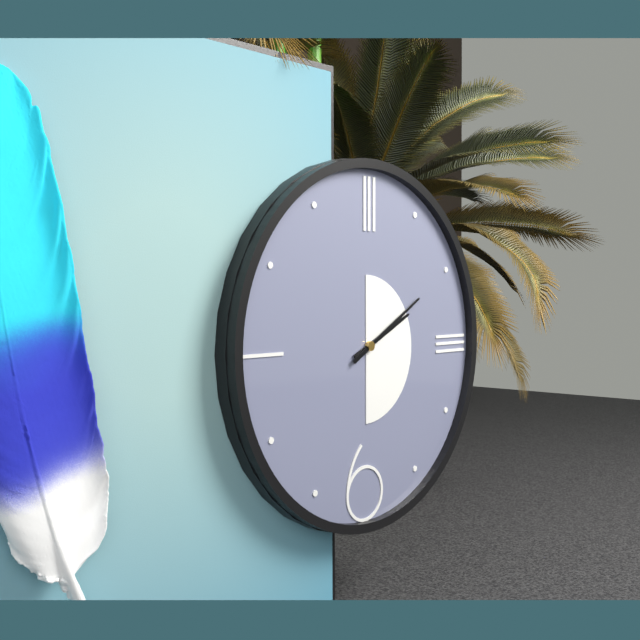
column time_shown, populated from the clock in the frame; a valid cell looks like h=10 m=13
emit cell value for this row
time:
h=2 m=10
